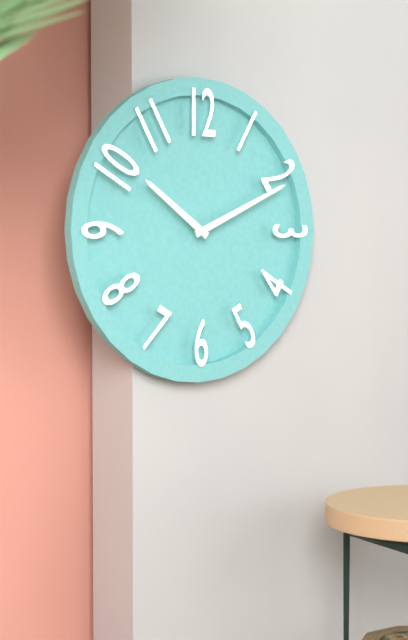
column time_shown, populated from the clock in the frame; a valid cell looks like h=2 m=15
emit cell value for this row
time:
h=10 m=11
